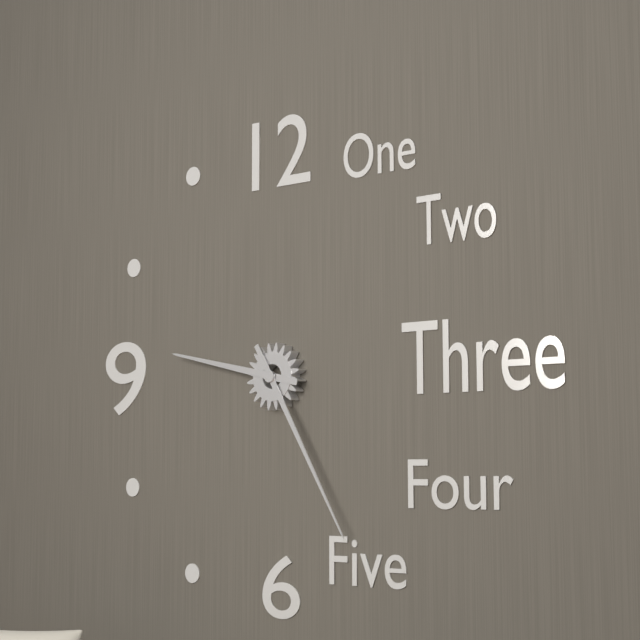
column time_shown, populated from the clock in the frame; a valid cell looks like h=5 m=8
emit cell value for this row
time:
h=9 m=25
